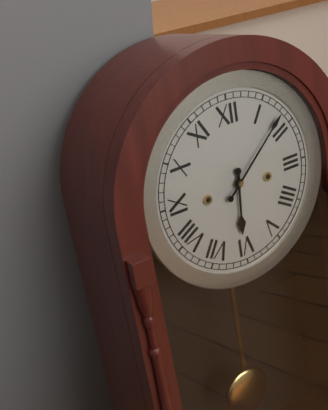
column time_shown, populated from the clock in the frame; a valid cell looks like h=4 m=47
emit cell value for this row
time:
h=6 m=8
